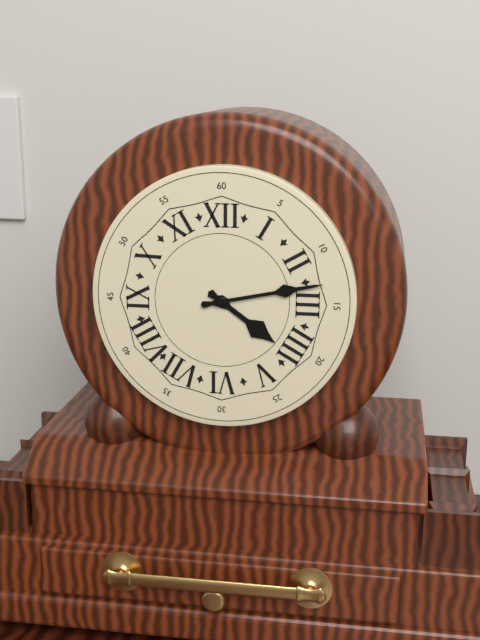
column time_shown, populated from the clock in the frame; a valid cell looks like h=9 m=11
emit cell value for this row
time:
h=4 m=13
